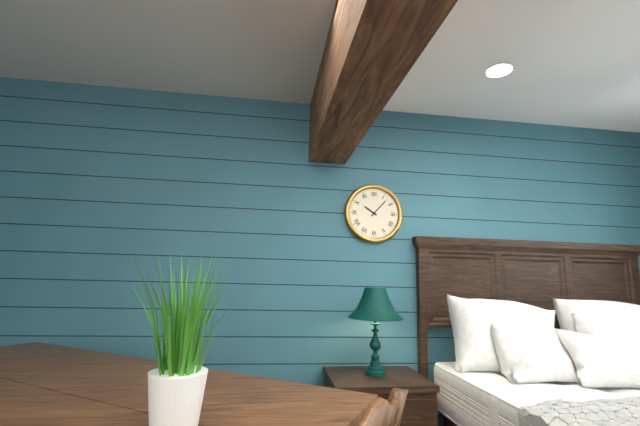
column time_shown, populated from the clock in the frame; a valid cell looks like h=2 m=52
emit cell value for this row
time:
h=10 m=7
